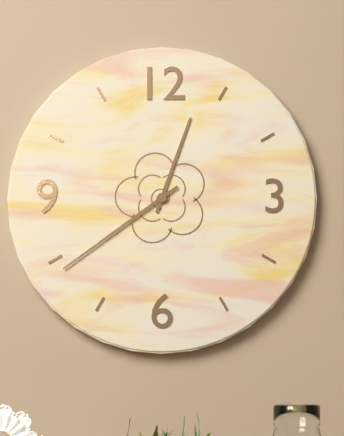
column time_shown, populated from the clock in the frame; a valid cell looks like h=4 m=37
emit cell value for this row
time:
h=12 m=39
